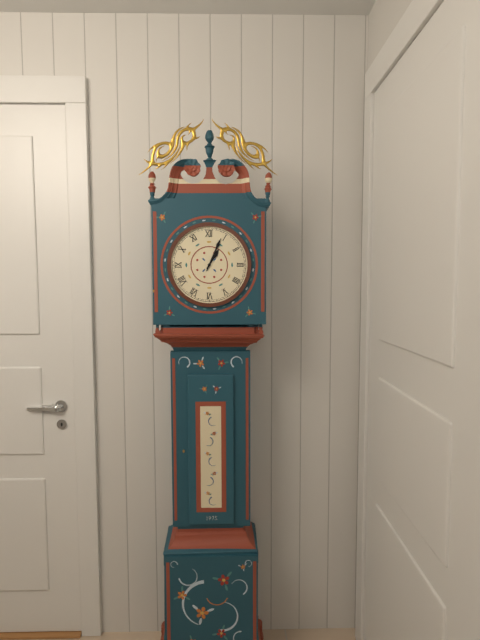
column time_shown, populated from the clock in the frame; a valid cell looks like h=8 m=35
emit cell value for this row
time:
h=1 m=4
